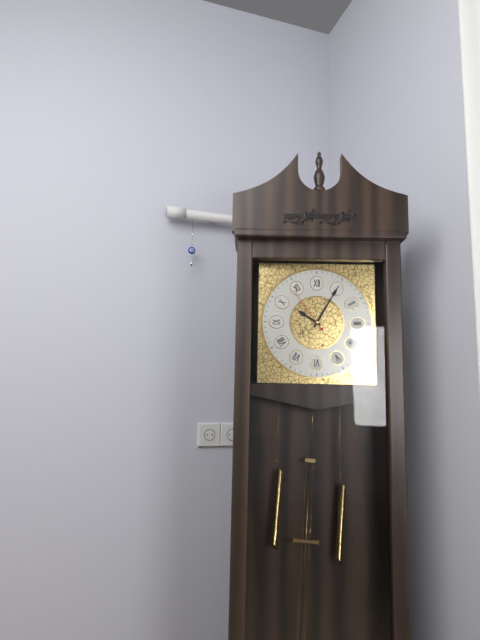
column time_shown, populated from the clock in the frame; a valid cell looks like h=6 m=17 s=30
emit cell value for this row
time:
h=10 m=5 s=54
